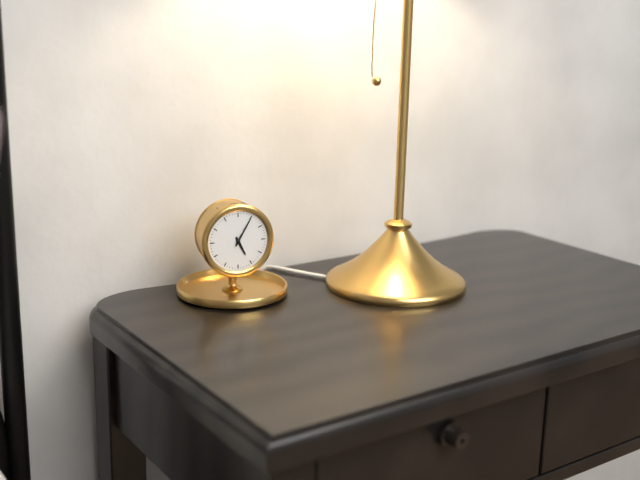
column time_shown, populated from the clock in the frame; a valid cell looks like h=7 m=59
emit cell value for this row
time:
h=5 m=5
